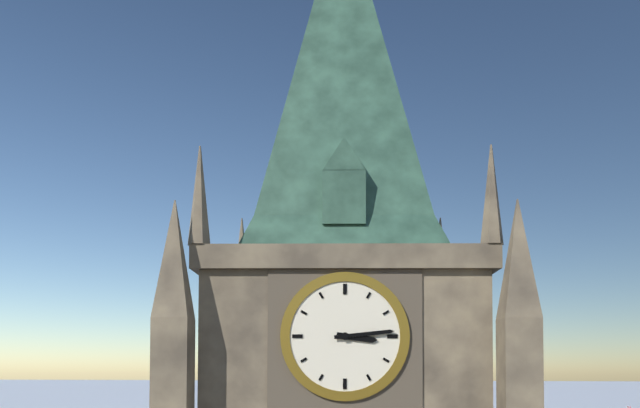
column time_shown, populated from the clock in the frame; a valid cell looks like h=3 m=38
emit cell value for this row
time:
h=3 m=14
